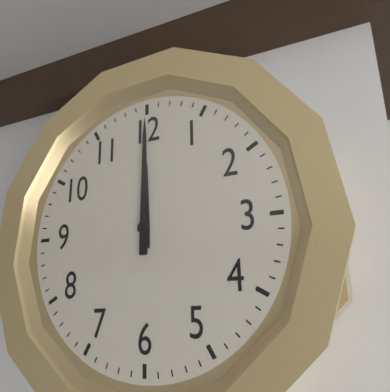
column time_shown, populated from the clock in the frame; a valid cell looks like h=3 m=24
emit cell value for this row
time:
h=12 m=0
